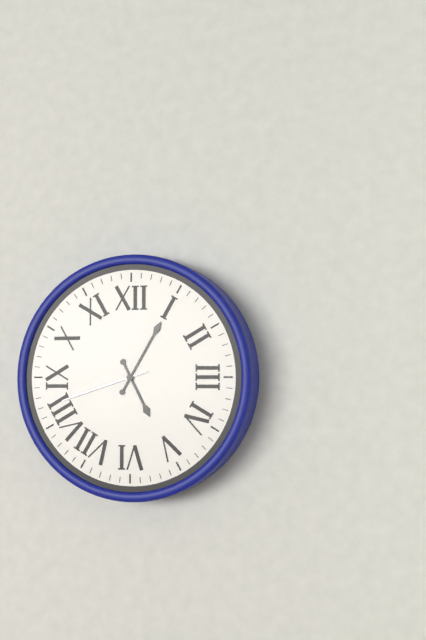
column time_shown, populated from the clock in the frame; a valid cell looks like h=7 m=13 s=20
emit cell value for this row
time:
h=5 m=5 s=42
